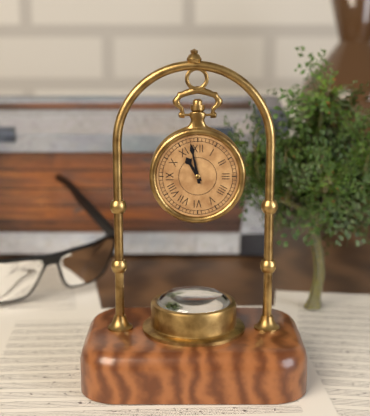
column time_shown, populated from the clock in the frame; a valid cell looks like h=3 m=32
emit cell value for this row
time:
h=10 m=58
